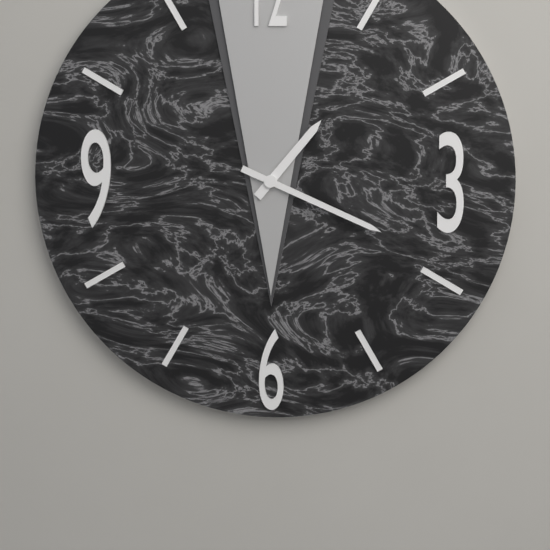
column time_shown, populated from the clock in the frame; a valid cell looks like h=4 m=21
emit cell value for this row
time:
h=1 m=19
